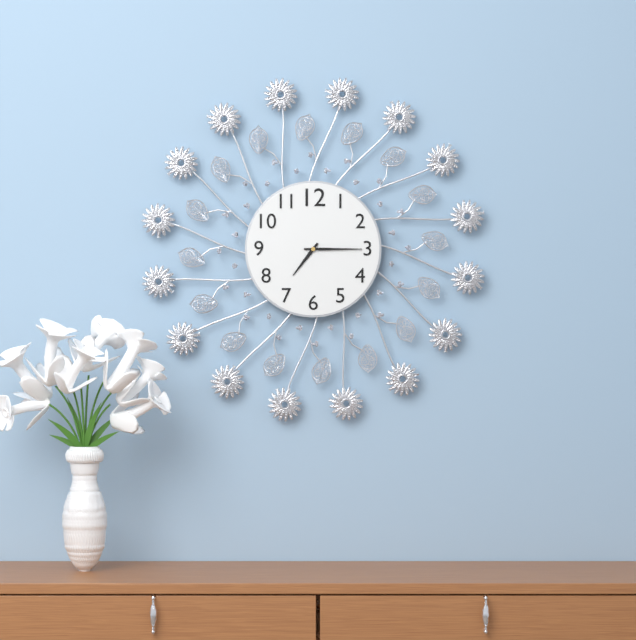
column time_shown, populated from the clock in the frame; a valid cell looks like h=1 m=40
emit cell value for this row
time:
h=7 m=15
